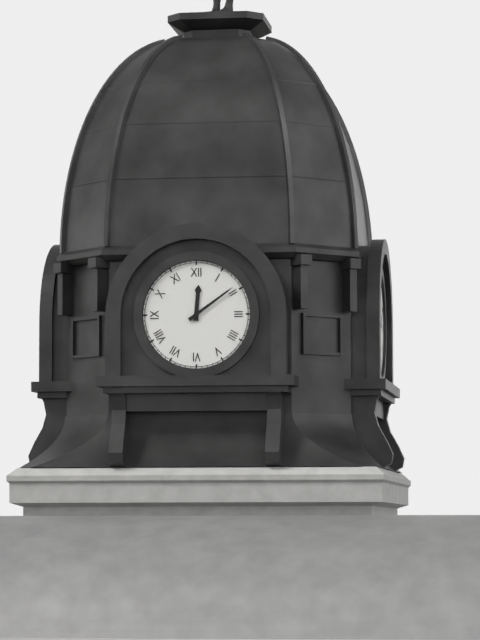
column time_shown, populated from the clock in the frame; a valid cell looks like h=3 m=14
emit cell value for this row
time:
h=12 m=9
